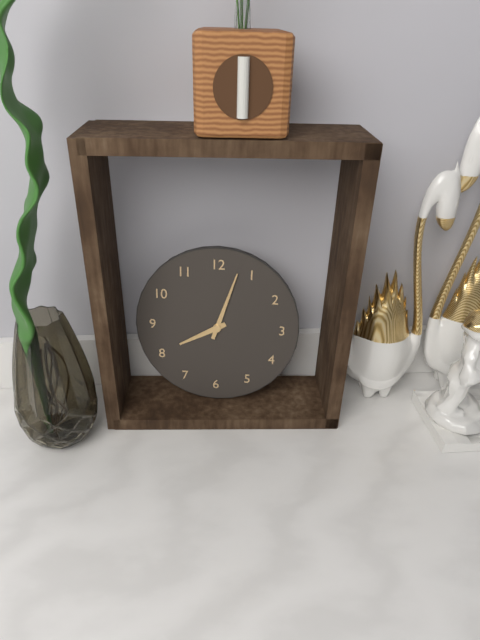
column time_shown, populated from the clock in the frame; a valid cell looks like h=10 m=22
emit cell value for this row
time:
h=8 m=3
